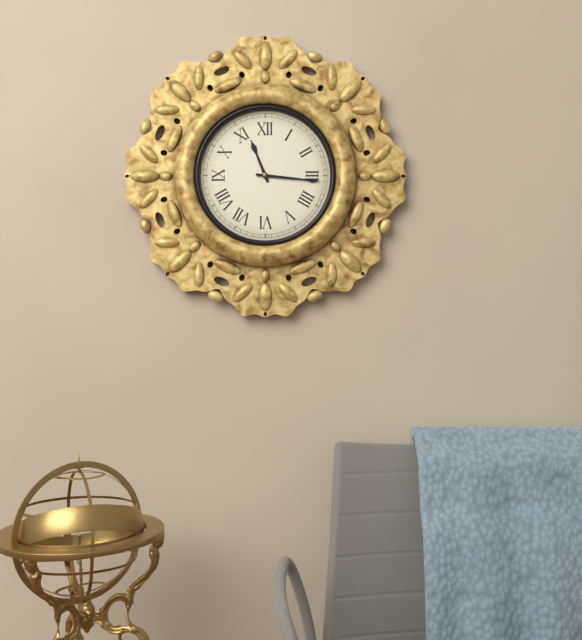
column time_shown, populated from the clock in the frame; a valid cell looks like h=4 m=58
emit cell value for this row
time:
h=11 m=16
